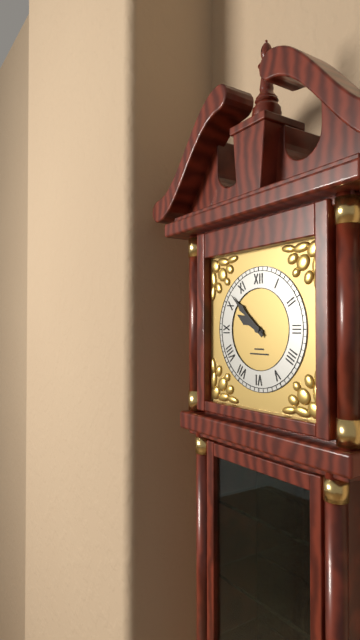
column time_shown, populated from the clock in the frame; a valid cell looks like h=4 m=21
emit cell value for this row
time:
h=9 m=52
